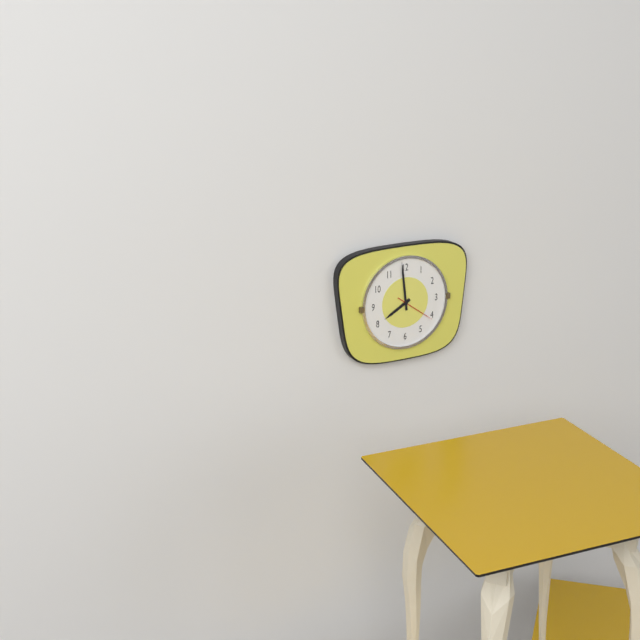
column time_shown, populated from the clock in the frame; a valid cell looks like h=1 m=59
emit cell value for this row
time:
h=7 m=59
